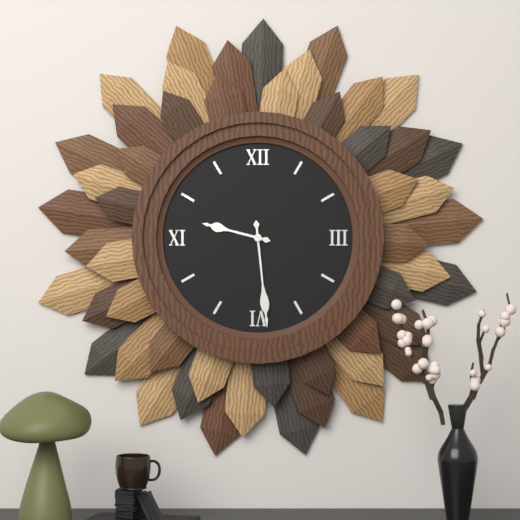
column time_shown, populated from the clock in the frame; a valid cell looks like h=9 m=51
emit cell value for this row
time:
h=9 m=29
